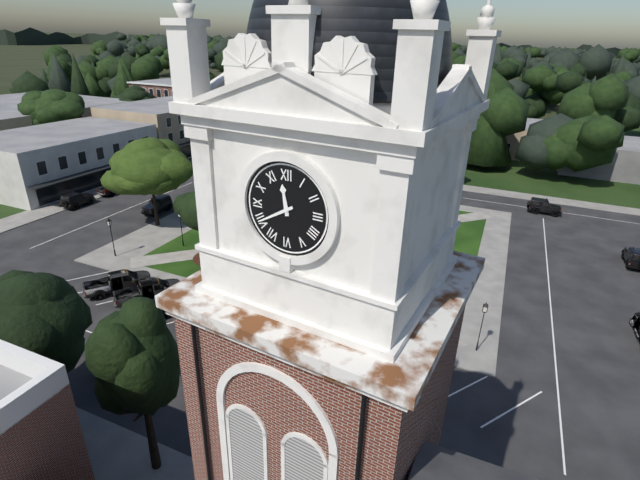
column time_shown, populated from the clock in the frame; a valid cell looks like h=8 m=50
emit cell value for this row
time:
h=11 m=40
